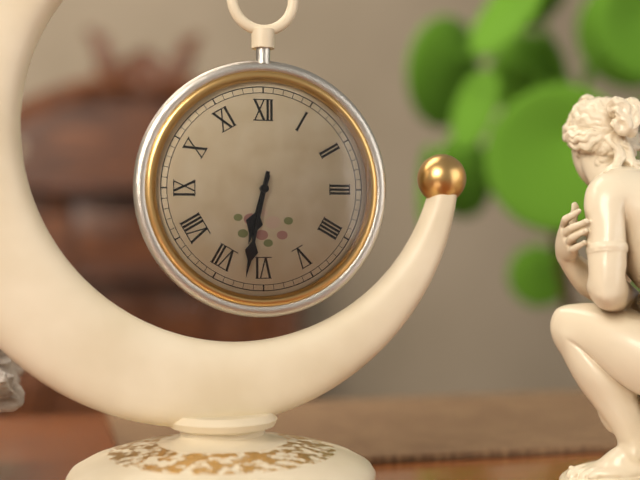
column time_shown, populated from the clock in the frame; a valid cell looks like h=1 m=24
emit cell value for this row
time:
h=6 m=32
